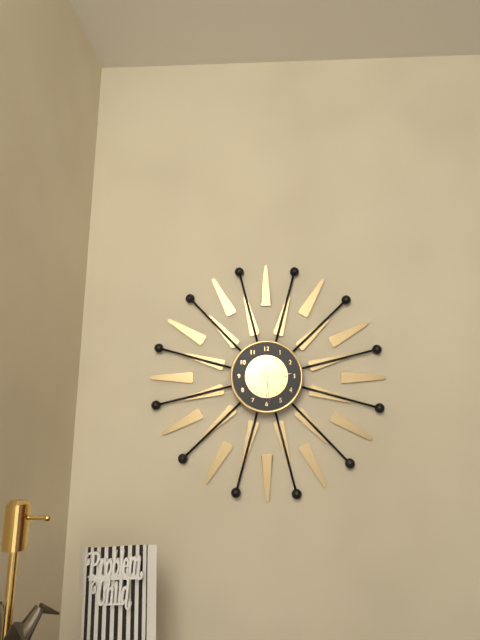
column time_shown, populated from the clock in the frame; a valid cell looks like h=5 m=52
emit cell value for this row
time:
h=10 m=14
